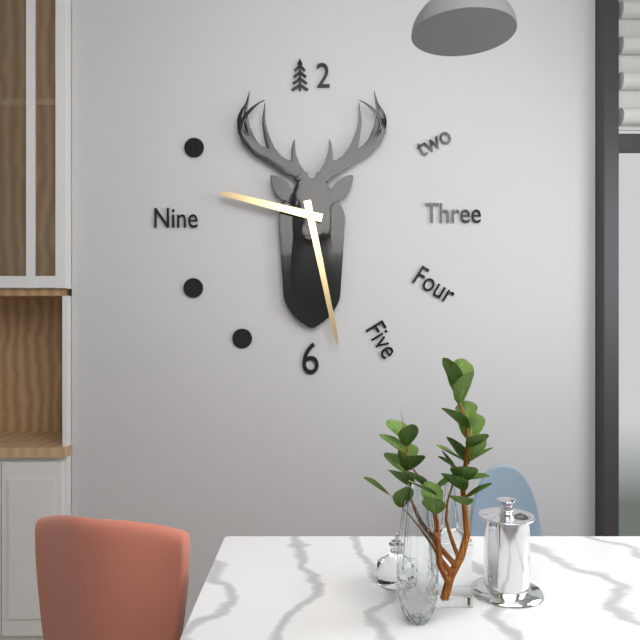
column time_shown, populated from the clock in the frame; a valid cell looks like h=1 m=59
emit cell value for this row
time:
h=9 m=28
